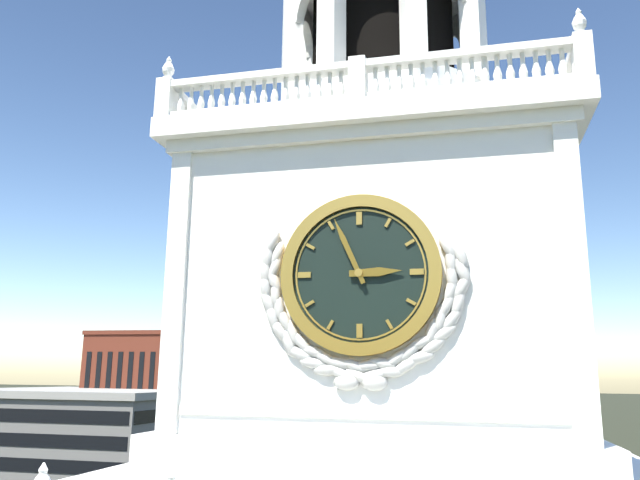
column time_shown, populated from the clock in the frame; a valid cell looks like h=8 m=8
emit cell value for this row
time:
h=2 m=56
